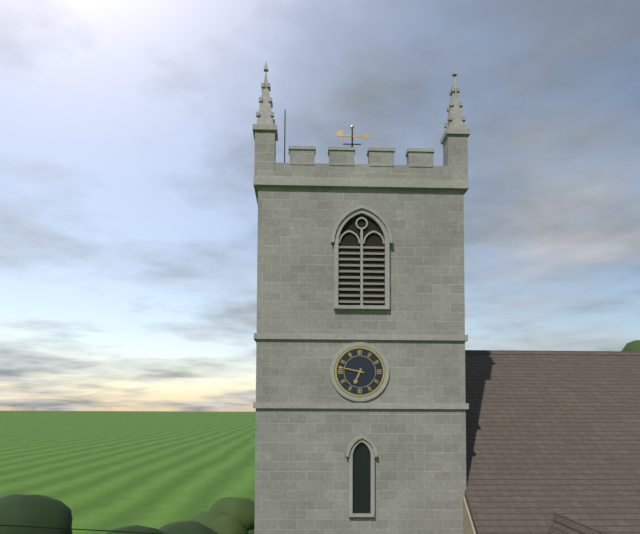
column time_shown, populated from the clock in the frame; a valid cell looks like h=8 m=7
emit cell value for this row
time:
h=6 m=47
